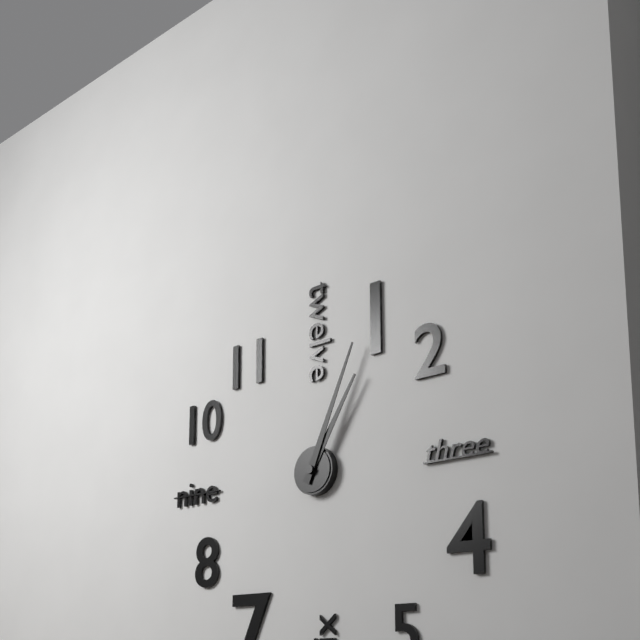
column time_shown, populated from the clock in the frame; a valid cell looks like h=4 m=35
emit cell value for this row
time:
h=1 m=4
